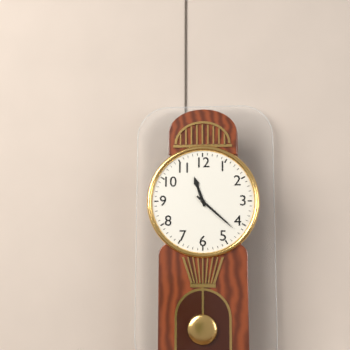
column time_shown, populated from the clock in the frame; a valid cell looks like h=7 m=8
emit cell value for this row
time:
h=11 m=22
